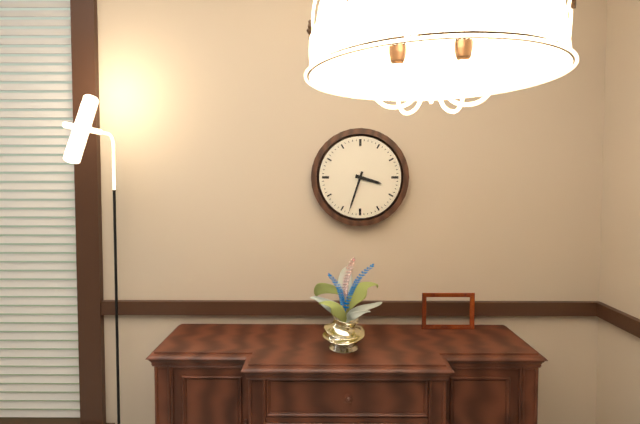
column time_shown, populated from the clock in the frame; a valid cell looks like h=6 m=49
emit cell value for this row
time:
h=3 m=33
